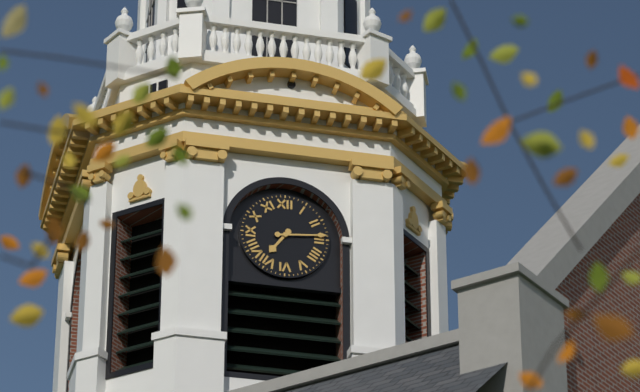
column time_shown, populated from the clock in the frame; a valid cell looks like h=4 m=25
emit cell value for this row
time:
h=7 m=14
